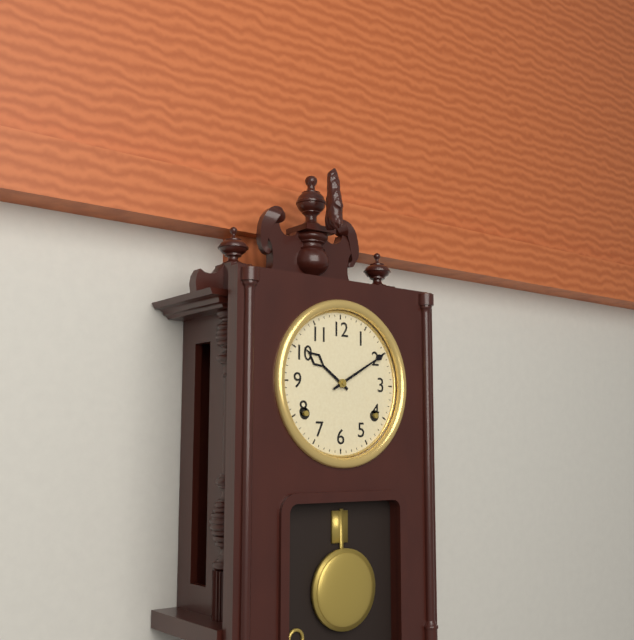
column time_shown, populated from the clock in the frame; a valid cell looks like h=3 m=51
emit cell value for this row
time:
h=10 m=10
